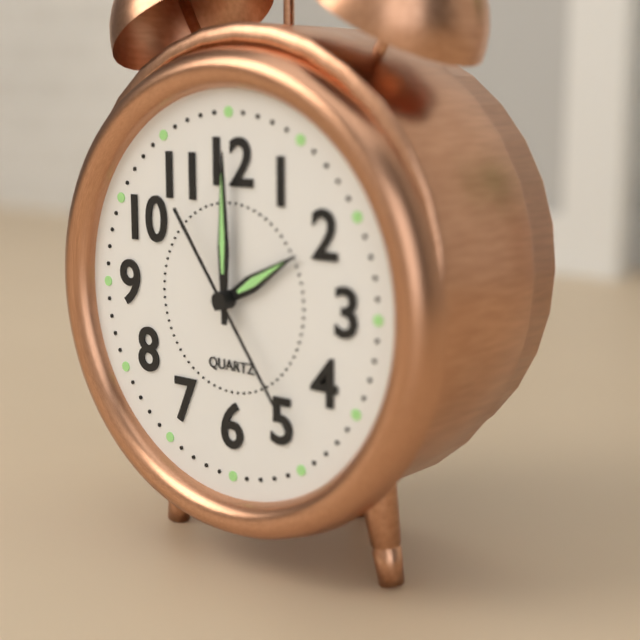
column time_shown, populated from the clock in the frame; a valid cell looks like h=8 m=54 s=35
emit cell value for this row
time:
h=2 m=0 s=24
